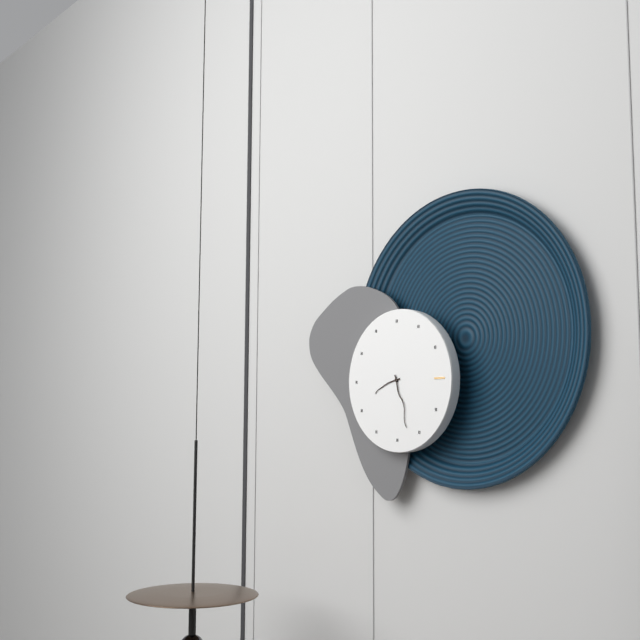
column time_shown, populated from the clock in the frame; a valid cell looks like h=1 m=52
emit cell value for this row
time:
h=8 m=27
